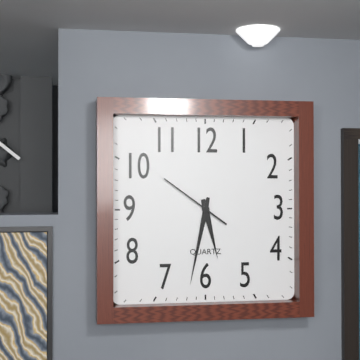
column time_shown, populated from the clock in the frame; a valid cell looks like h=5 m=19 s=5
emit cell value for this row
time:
h=5 m=32 s=51
